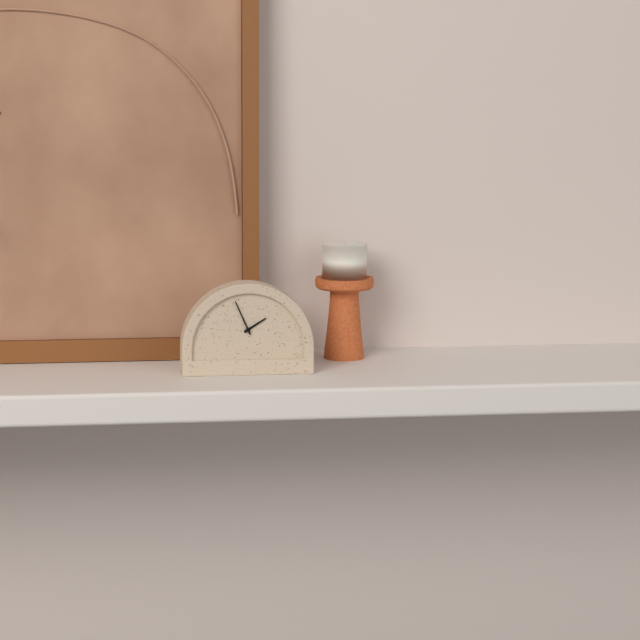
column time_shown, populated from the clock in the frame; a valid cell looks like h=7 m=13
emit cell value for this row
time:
h=1 m=56
